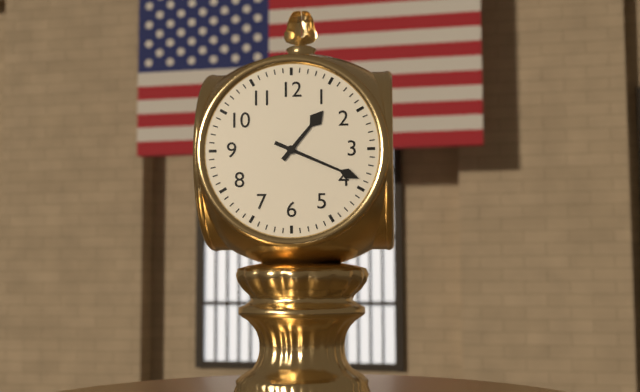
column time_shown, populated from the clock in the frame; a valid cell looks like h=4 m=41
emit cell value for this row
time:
h=1 m=19
